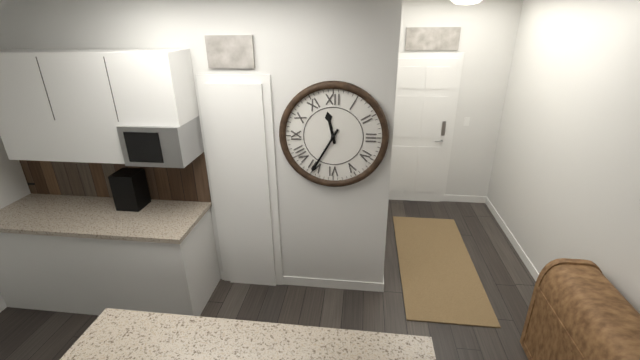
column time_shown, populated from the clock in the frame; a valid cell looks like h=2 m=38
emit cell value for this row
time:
h=11 m=35
